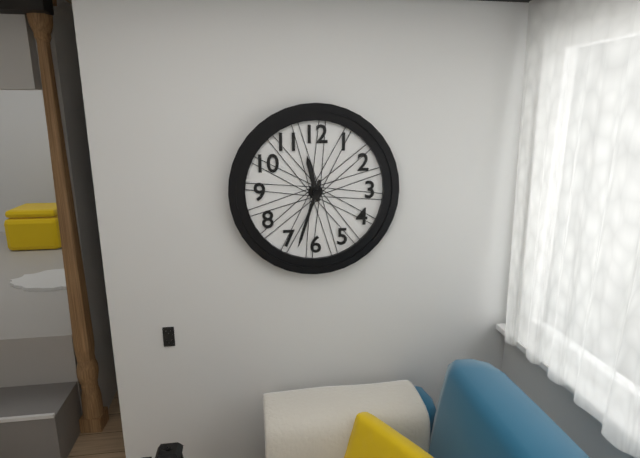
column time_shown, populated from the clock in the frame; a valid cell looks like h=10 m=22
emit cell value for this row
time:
h=11 m=33
